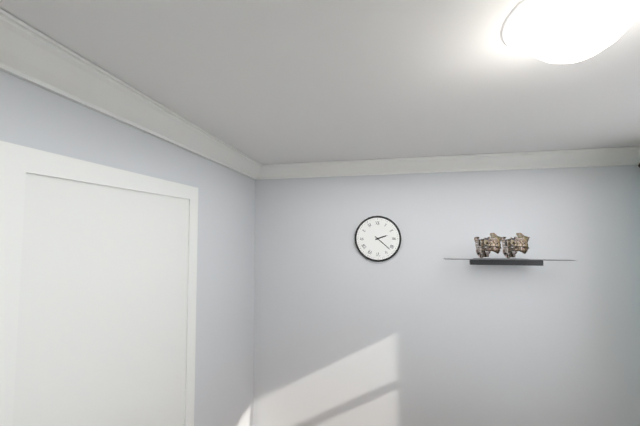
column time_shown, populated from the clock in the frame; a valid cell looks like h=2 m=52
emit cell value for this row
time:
h=2 m=22
